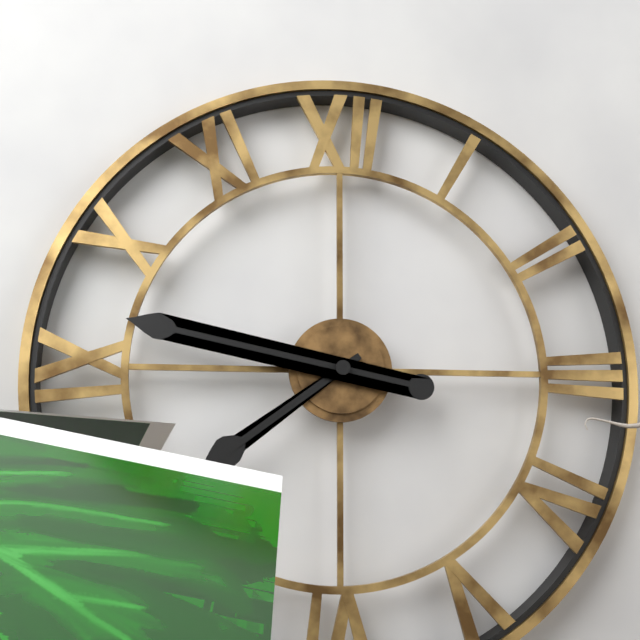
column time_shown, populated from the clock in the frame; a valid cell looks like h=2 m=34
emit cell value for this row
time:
h=7 m=47
